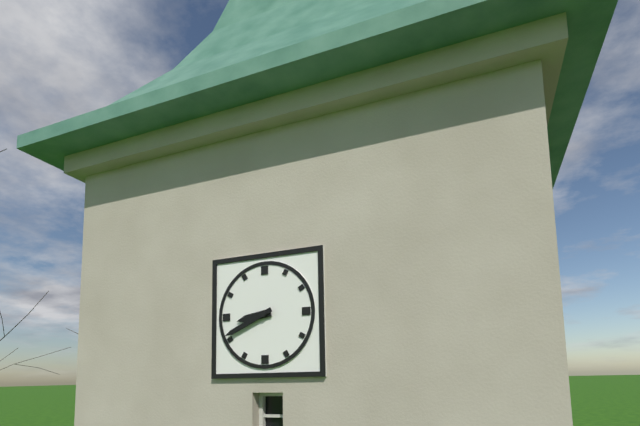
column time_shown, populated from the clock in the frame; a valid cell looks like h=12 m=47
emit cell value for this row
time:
h=8 m=41
